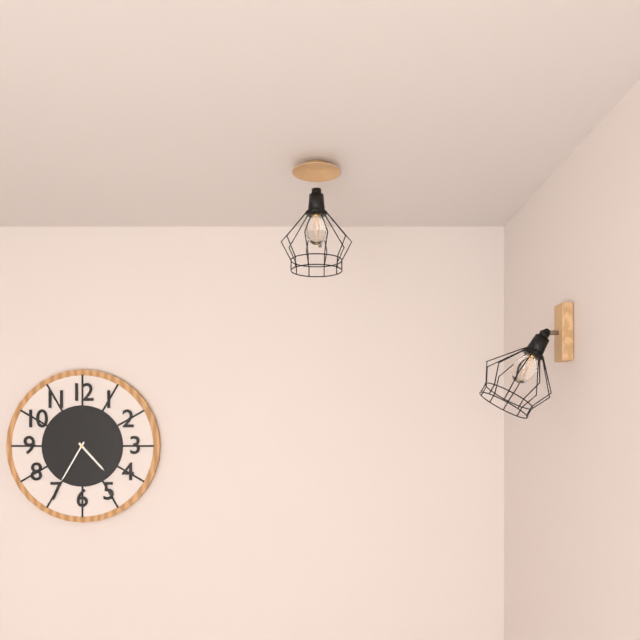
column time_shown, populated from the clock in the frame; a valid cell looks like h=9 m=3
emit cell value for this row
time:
h=4 m=35
